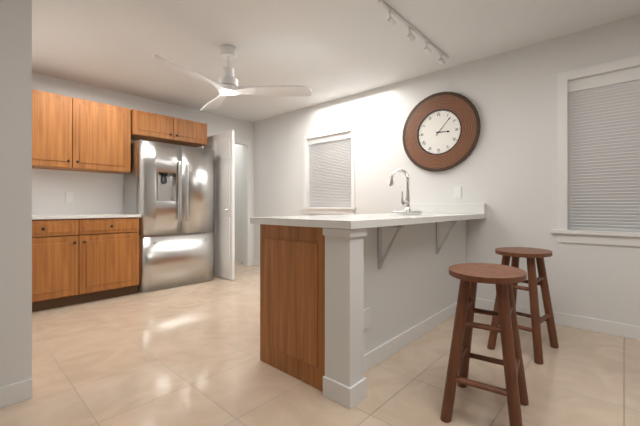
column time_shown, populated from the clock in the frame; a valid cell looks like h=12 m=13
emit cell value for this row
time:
h=3 m=7
